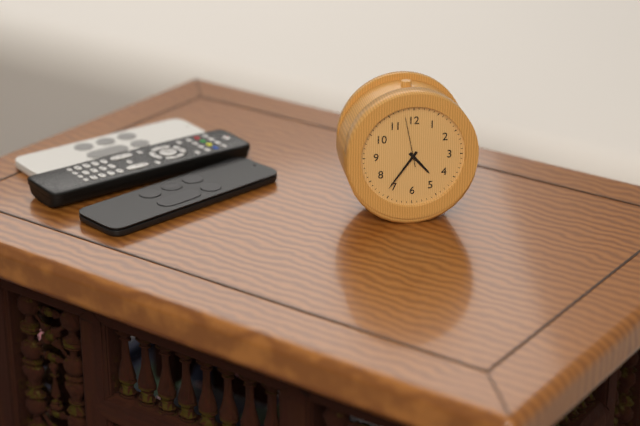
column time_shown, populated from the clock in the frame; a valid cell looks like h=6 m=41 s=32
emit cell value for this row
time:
h=4 m=36 s=58
